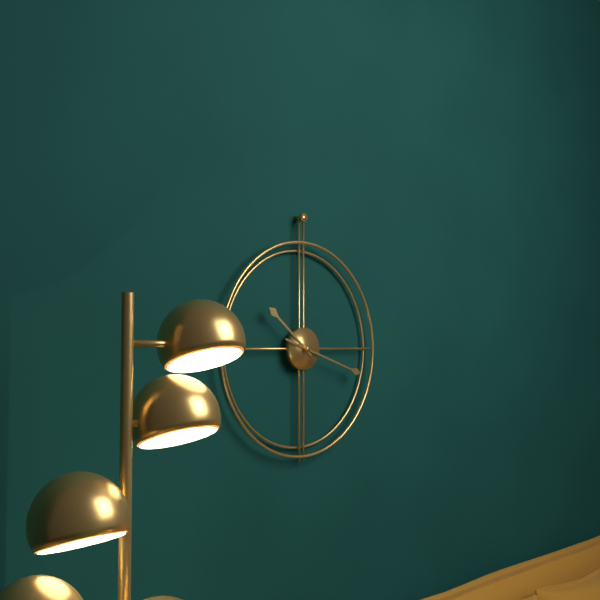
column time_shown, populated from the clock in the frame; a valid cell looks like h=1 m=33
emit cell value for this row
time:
h=10 m=18
